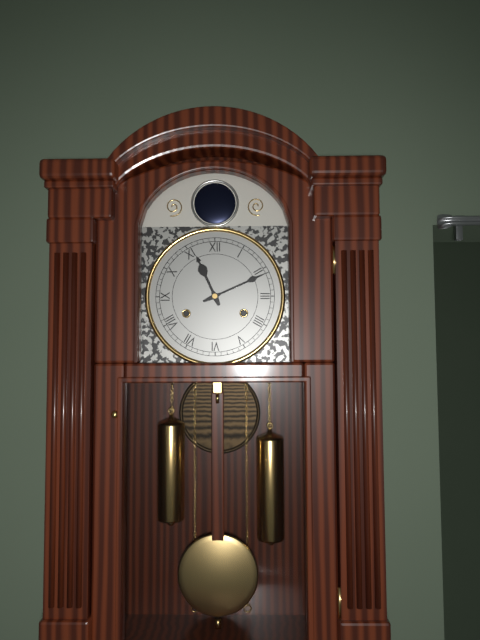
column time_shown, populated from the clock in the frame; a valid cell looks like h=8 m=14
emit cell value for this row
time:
h=11 m=11
